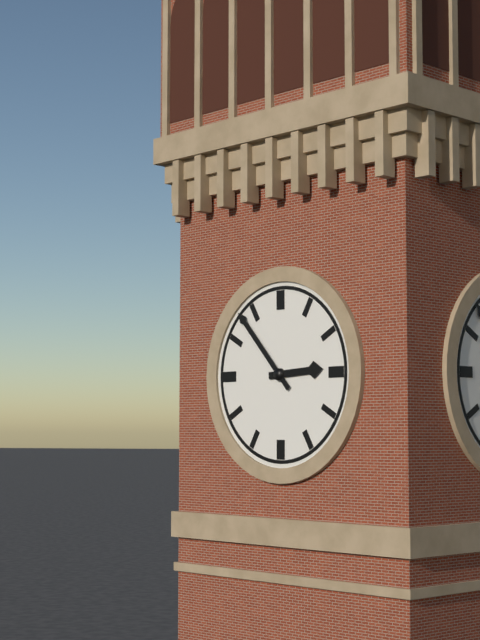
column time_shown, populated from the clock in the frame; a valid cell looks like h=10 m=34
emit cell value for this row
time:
h=2 m=53
